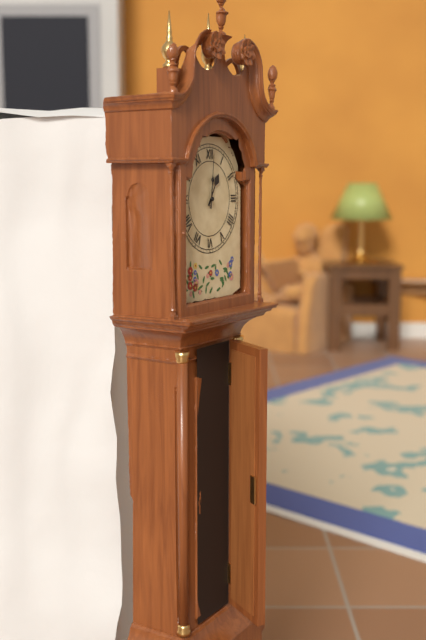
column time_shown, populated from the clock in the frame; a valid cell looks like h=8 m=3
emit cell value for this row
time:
h=1 m=1
